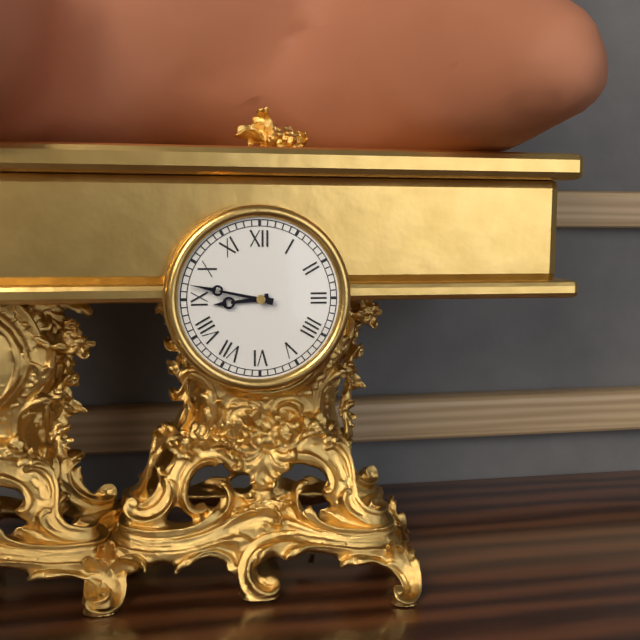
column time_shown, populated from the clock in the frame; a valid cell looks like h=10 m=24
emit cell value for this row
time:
h=8 m=47
